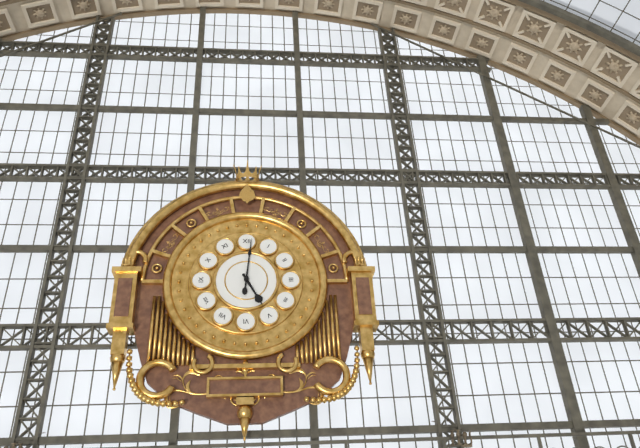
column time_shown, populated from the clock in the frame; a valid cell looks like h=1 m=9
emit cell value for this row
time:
h=5 m=1
